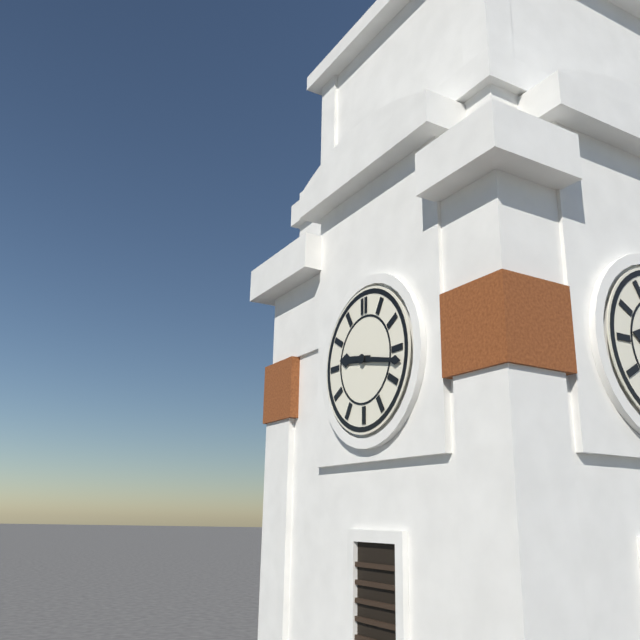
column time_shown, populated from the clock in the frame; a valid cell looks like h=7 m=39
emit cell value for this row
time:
h=9 m=17
